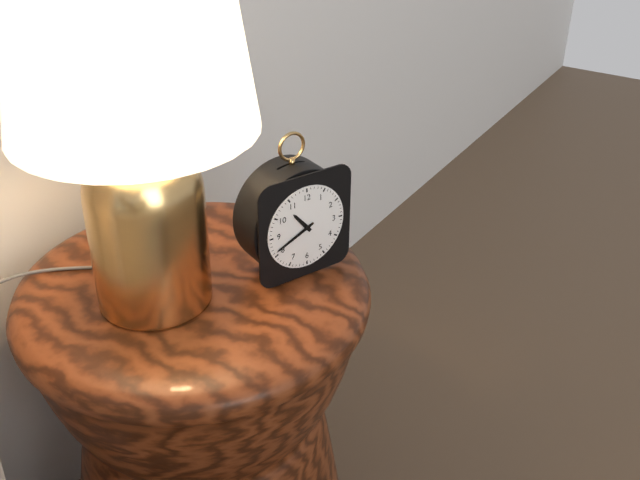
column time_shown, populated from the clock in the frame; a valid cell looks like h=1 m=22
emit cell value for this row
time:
h=10 m=41
